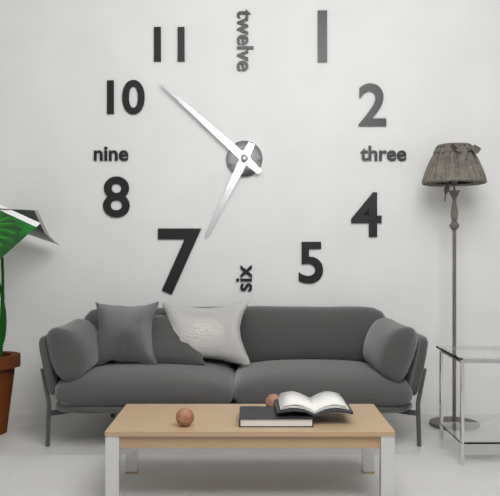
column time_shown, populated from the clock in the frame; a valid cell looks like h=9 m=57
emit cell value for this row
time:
h=6 m=52
